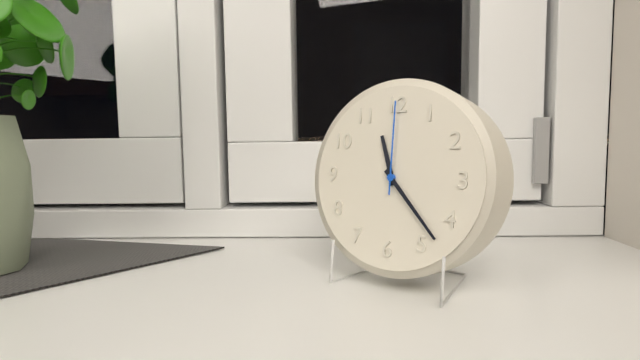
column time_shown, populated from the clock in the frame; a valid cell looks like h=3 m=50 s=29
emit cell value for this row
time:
h=11 m=23 s=0
